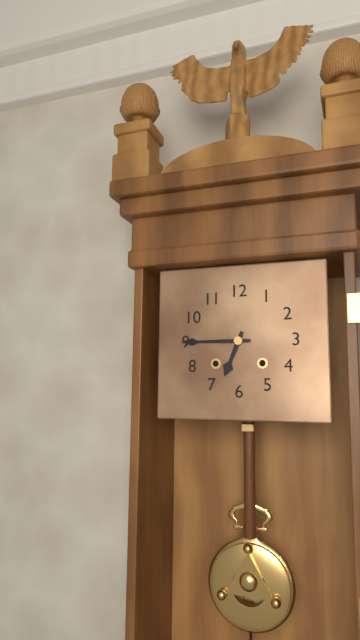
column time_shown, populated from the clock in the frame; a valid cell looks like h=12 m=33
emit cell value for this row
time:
h=6 m=45
